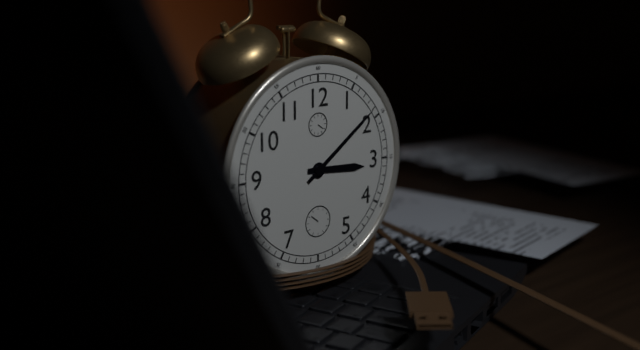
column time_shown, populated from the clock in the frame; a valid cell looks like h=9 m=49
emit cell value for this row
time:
h=3 m=9
